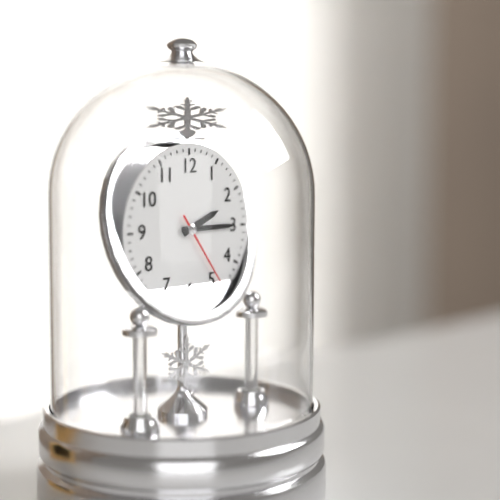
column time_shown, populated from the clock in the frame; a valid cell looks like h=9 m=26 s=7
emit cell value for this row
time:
h=2 m=15 s=24
